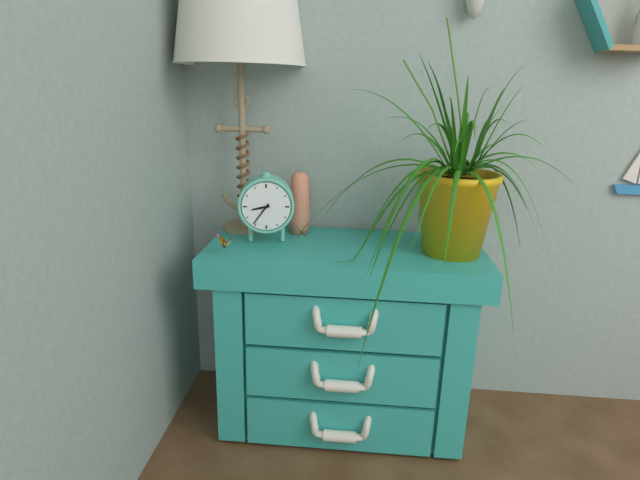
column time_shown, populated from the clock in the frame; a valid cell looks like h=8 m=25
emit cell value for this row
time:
h=8 m=36
